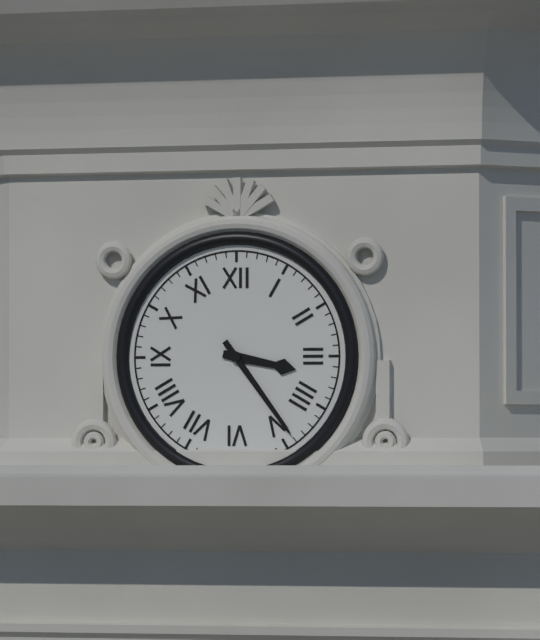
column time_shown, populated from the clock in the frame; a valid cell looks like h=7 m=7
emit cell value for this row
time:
h=3 m=24
